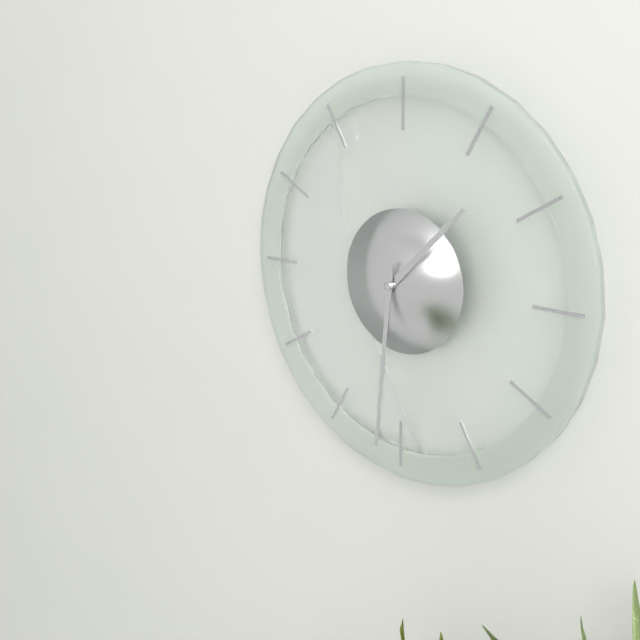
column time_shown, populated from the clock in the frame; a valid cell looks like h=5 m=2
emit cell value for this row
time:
h=1 m=31
